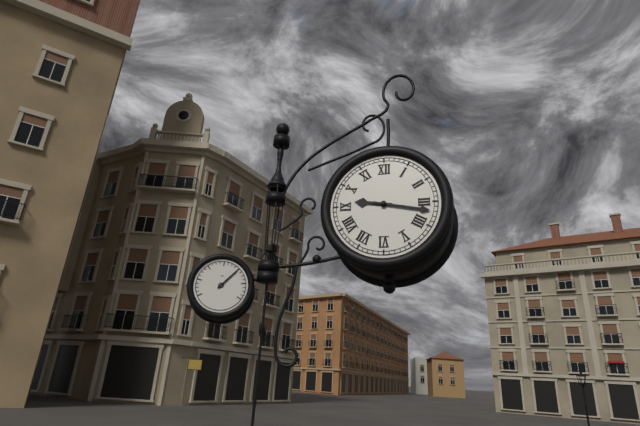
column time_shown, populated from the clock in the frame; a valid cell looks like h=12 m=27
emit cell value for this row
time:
h=9 m=17
